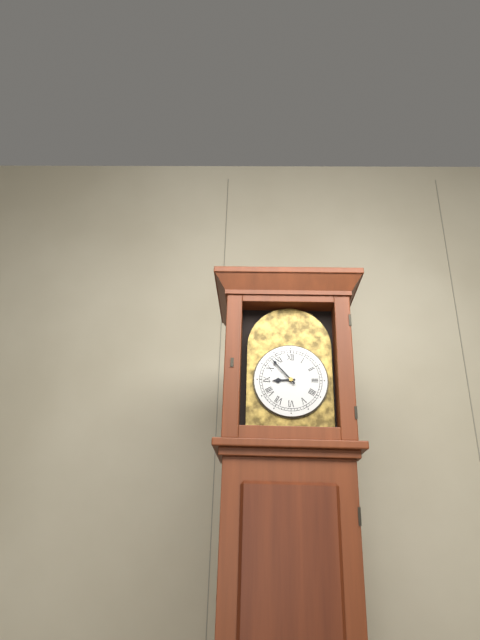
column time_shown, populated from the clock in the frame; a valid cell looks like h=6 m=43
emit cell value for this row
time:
h=8 m=53
